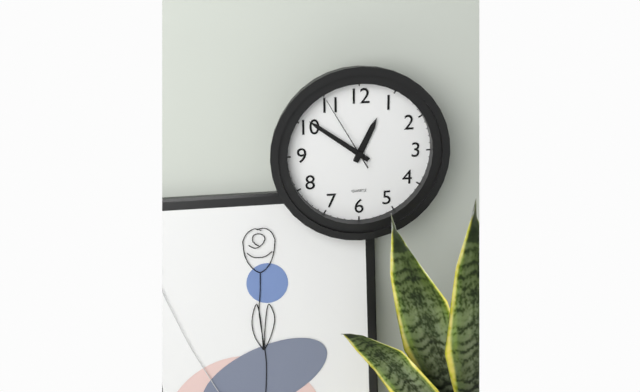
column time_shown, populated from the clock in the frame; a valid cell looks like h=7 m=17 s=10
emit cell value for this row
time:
h=12 m=51 s=55
